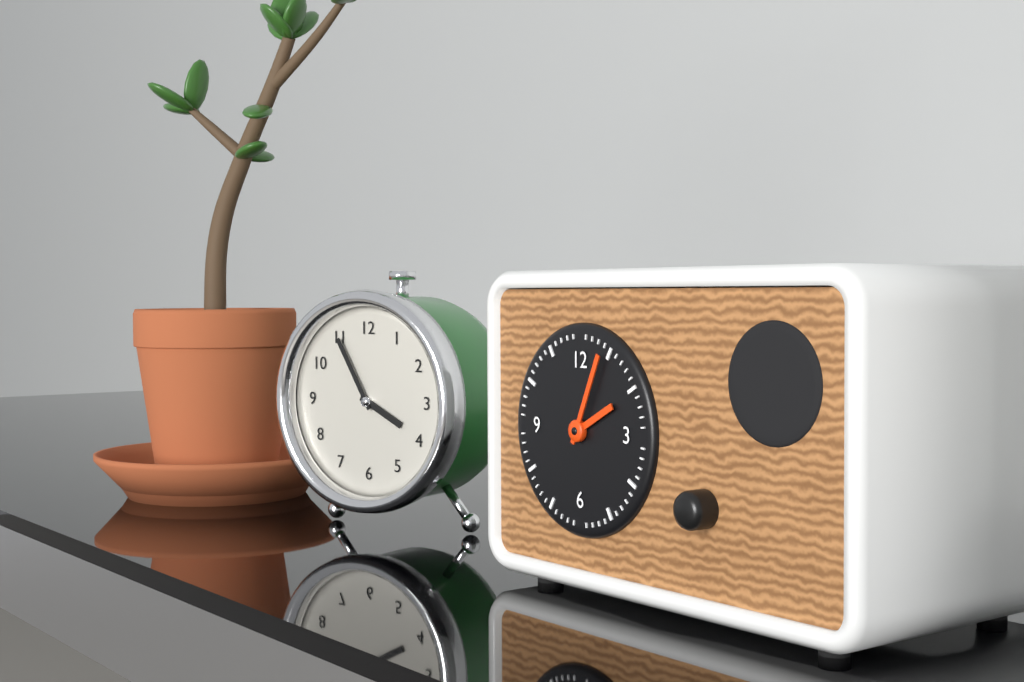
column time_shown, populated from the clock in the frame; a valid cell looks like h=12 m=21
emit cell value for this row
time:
h=2 m=4
